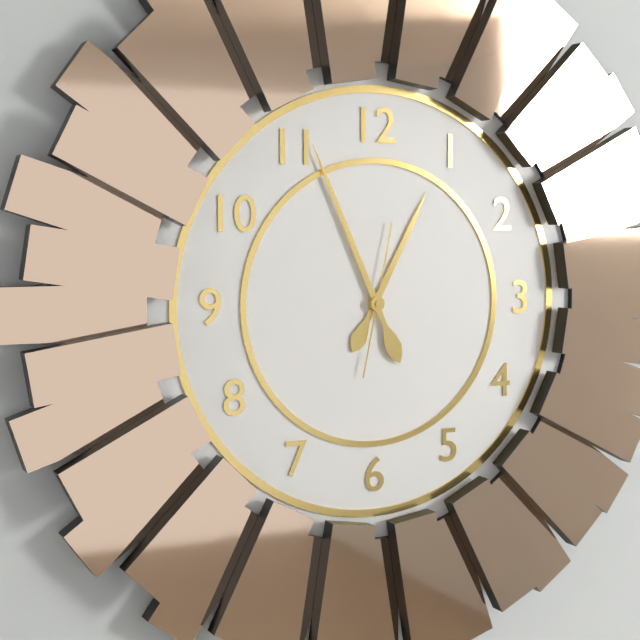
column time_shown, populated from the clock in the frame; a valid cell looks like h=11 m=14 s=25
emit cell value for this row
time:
h=12 m=56 s=2
